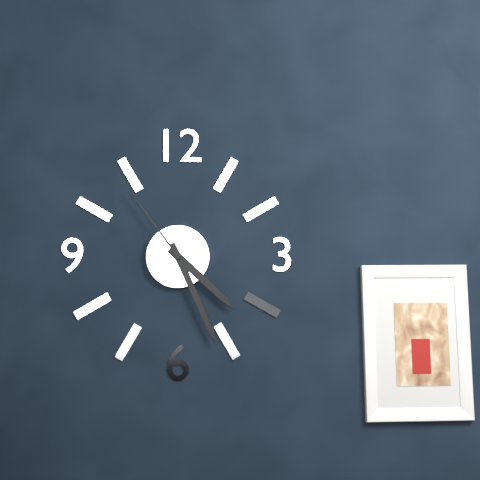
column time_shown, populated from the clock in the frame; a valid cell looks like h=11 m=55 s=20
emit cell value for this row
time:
h=4 m=26 s=54
